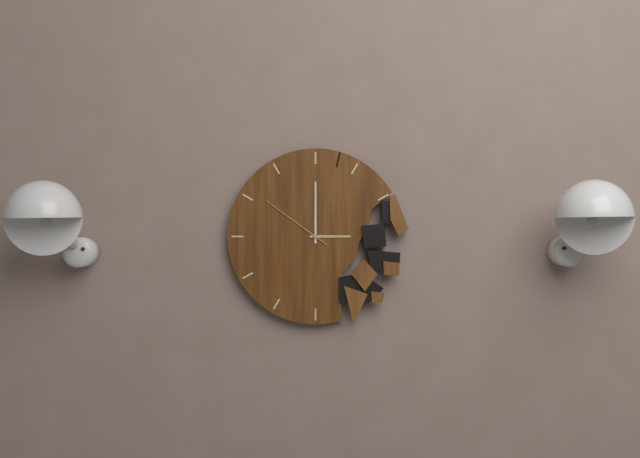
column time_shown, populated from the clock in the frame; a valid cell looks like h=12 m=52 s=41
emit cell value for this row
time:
h=3 m=0 s=51
